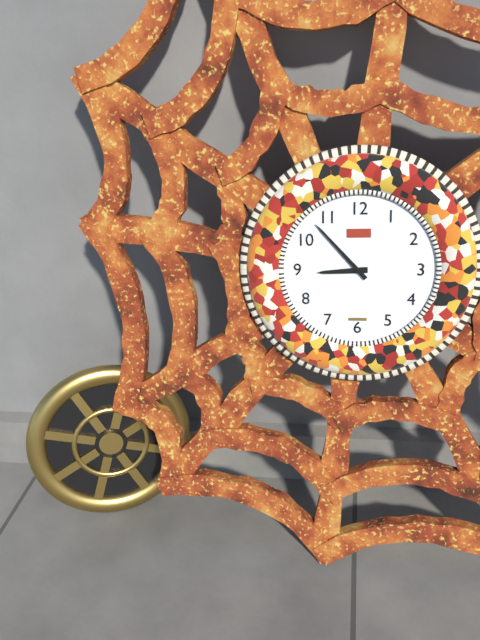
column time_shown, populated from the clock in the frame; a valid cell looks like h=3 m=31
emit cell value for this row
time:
h=8 m=53
